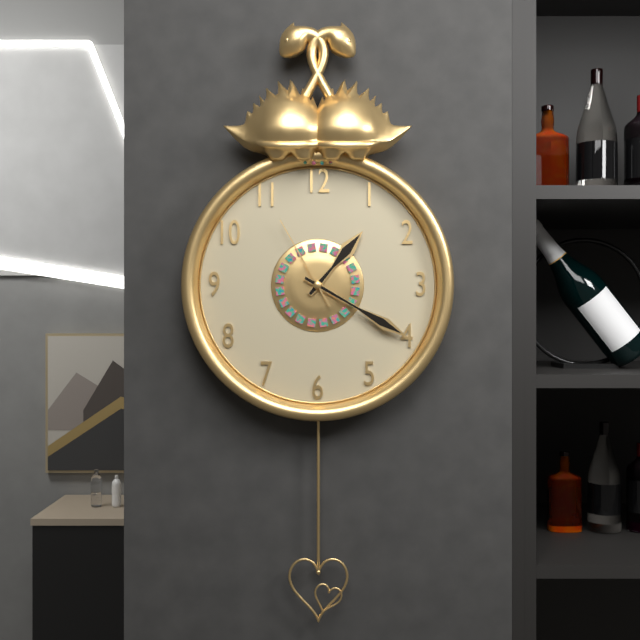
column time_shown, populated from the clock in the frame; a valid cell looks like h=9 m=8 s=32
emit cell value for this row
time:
h=1 m=20 s=55
